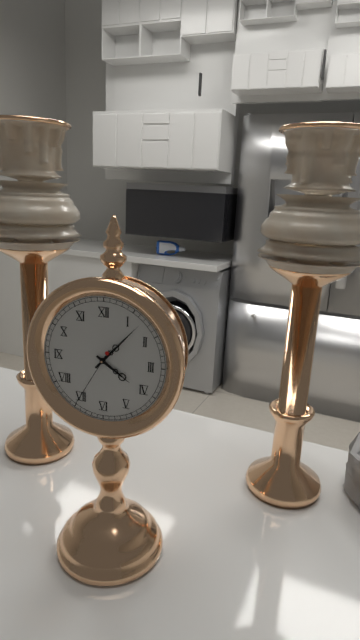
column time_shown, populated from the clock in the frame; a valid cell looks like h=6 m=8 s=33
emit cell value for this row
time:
h=4 m=7 s=35
